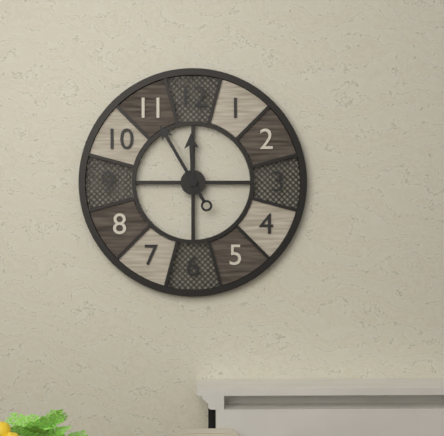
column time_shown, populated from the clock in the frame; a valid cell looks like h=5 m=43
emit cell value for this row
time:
h=11 m=55
